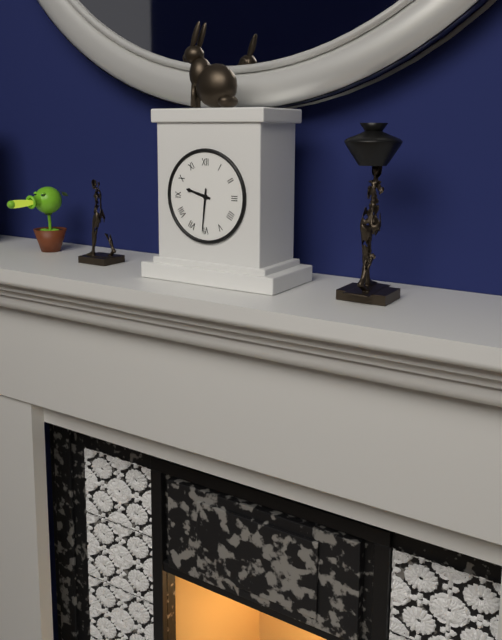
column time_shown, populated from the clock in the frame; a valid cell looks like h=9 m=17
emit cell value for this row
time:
h=9 m=31
